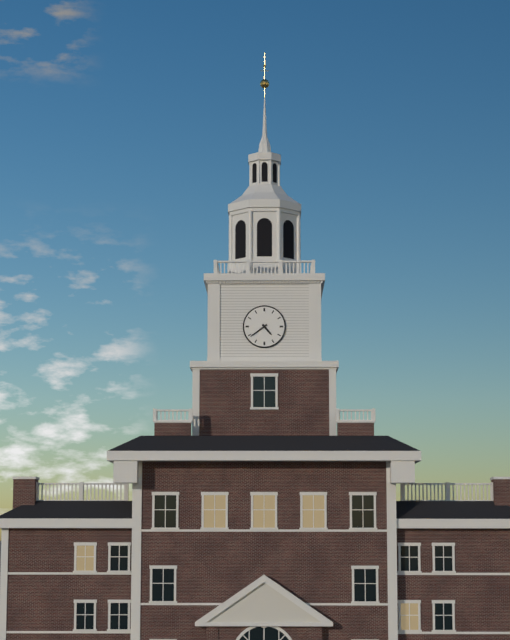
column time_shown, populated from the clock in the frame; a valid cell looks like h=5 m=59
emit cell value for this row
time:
h=4 m=39
